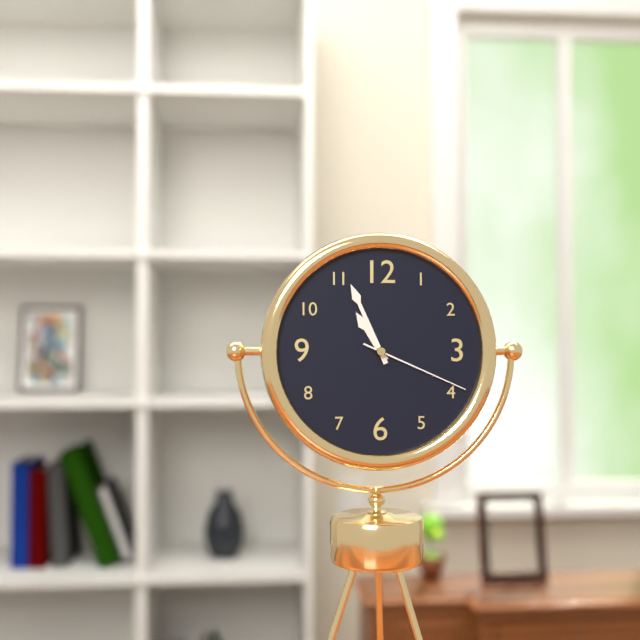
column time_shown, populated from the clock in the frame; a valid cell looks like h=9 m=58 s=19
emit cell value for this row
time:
h=10 m=56 s=19
